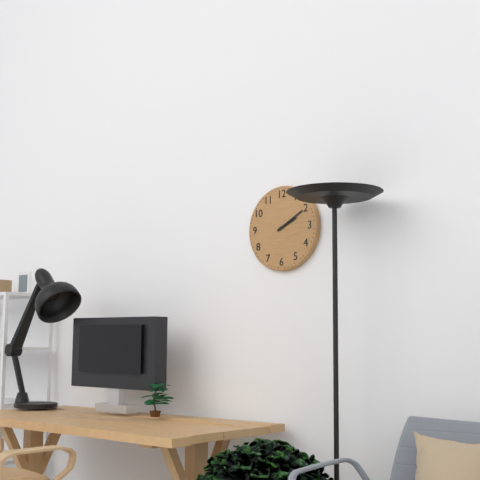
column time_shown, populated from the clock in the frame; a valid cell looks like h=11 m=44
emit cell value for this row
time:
h=2 m=10
